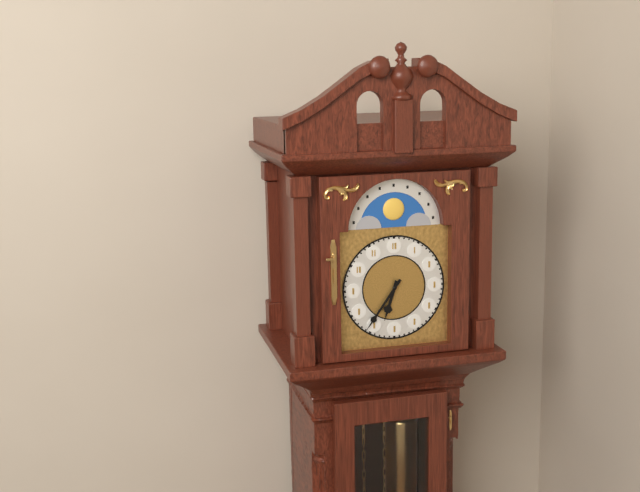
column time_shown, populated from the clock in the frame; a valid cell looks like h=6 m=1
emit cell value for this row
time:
h=6 m=36
